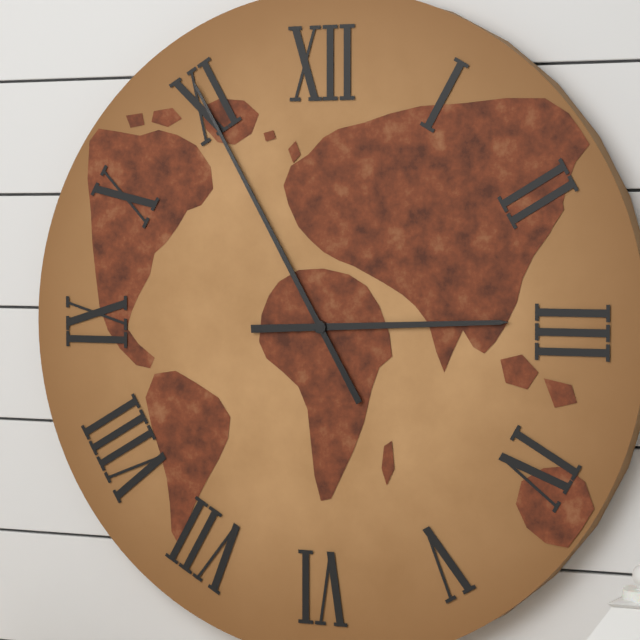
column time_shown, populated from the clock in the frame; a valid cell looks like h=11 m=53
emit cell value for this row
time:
h=2 m=55
